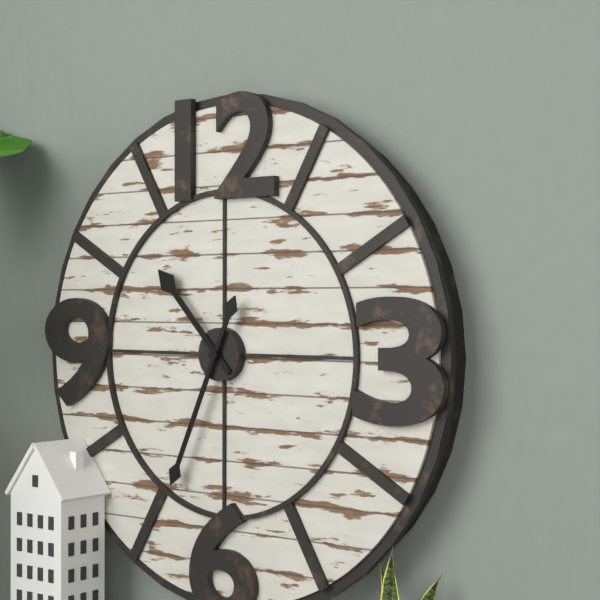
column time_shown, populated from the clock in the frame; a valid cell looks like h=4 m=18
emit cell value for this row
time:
h=10 m=34
